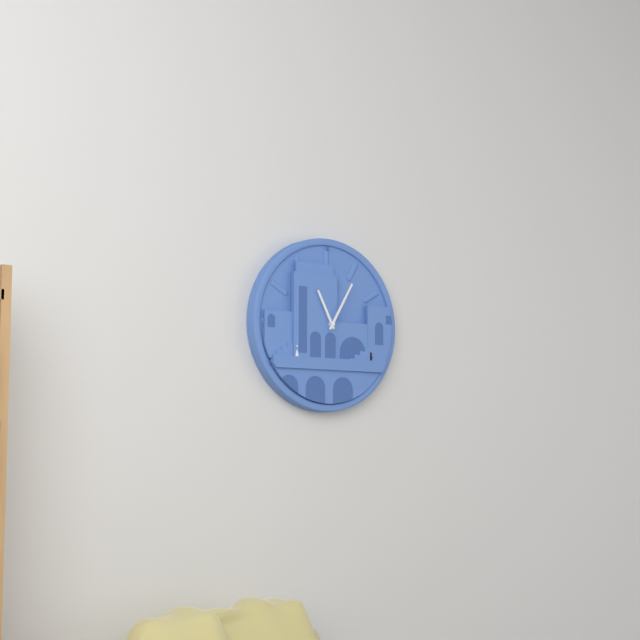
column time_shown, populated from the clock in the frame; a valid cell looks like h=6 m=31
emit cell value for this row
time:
h=11 m=5
